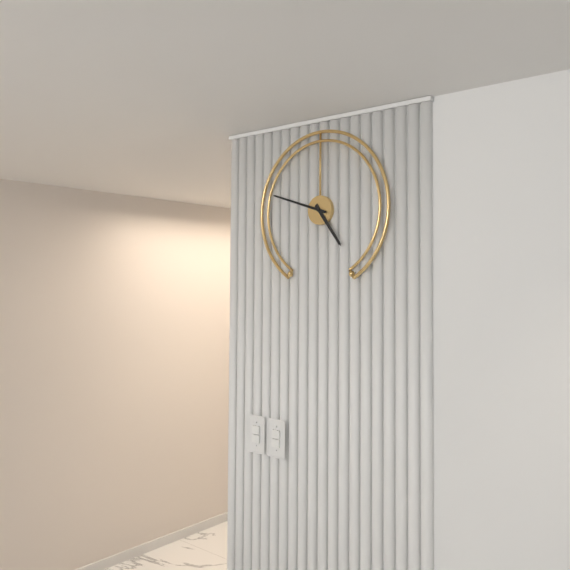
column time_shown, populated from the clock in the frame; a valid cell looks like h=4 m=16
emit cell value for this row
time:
h=4 m=48
